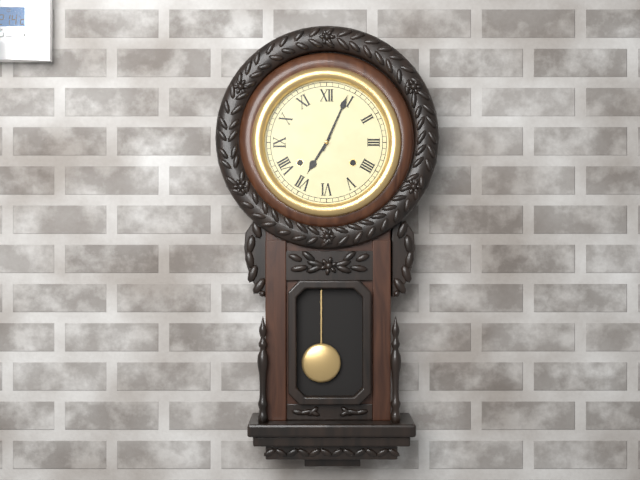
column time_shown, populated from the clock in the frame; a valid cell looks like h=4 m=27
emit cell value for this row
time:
h=7 m=4
